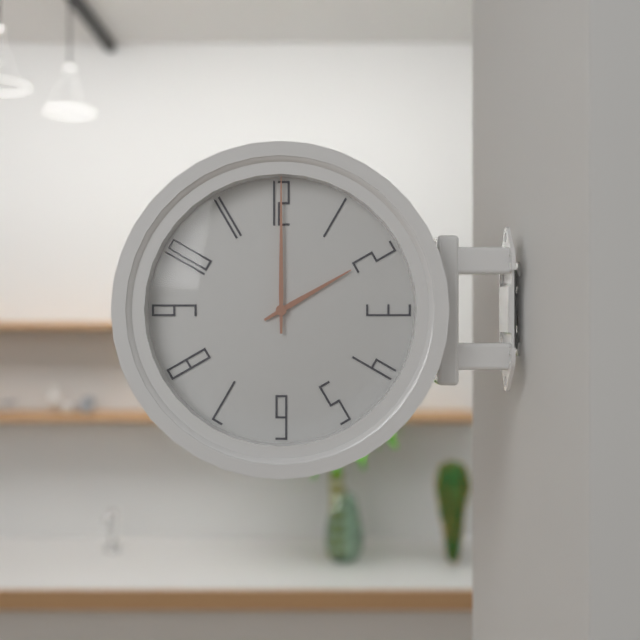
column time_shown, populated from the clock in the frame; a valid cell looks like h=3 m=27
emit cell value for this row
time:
h=2 m=0
